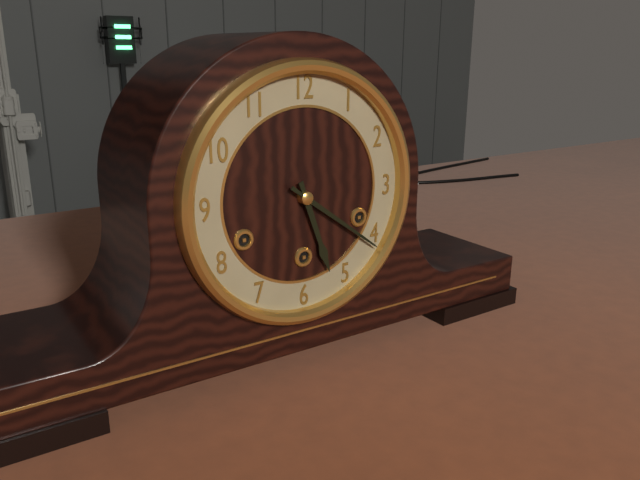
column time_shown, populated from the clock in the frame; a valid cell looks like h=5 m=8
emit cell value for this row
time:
h=5 m=21
